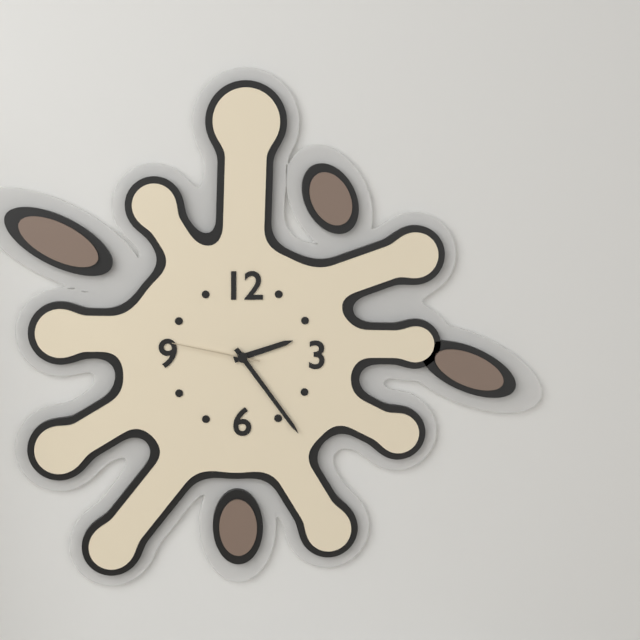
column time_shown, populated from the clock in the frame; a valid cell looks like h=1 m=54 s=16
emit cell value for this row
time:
h=2 m=24 s=47
